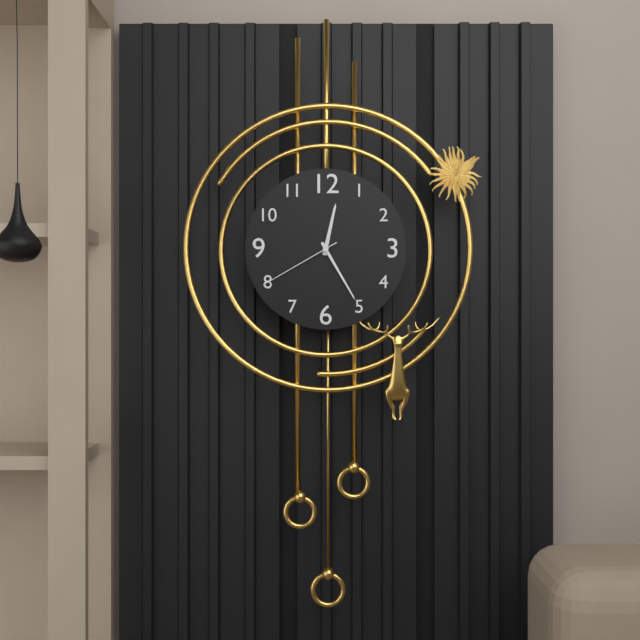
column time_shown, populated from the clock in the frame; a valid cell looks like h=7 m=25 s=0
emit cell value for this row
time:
h=12 m=25 s=40
